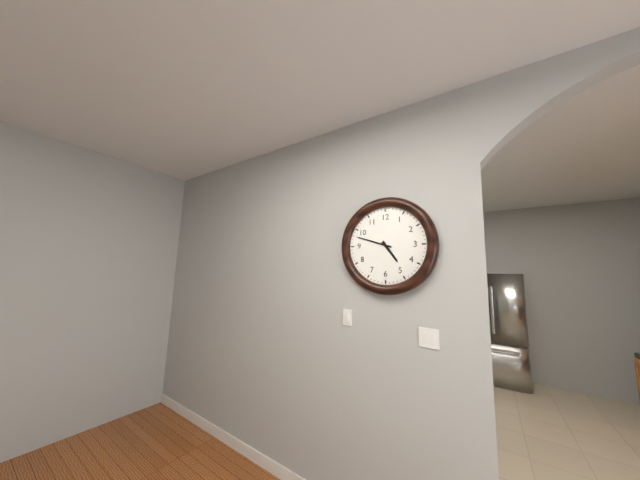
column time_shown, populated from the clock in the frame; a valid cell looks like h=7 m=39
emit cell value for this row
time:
h=4 m=48
